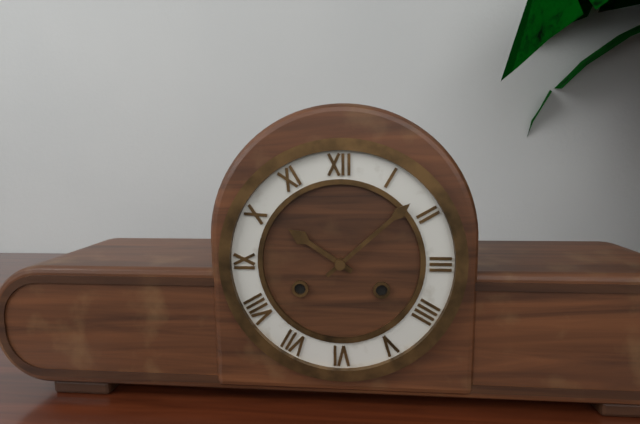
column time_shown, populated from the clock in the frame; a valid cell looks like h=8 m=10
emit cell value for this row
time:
h=10 m=8
